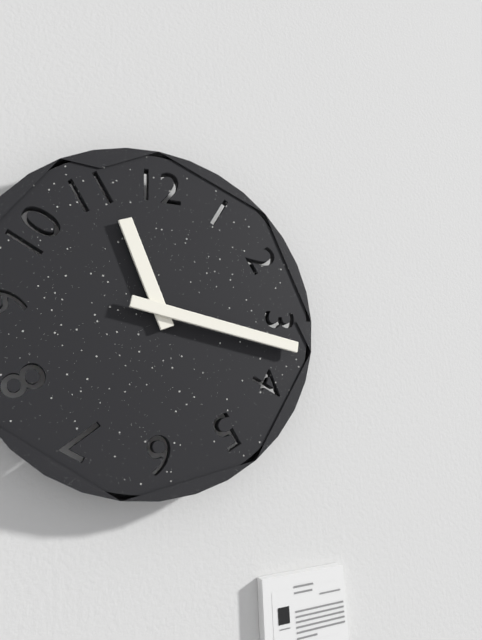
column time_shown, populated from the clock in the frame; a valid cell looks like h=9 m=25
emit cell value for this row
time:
h=11 m=17
